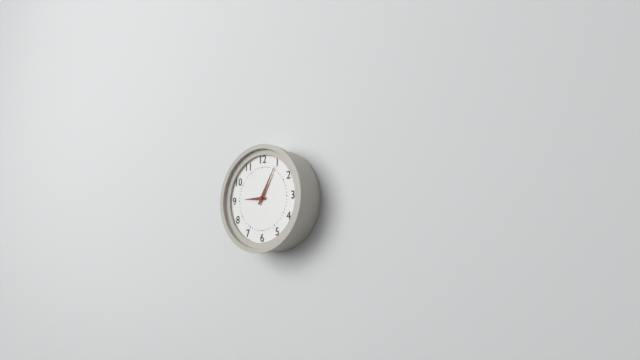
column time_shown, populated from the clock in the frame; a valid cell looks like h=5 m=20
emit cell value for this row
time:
h=9 m=5
